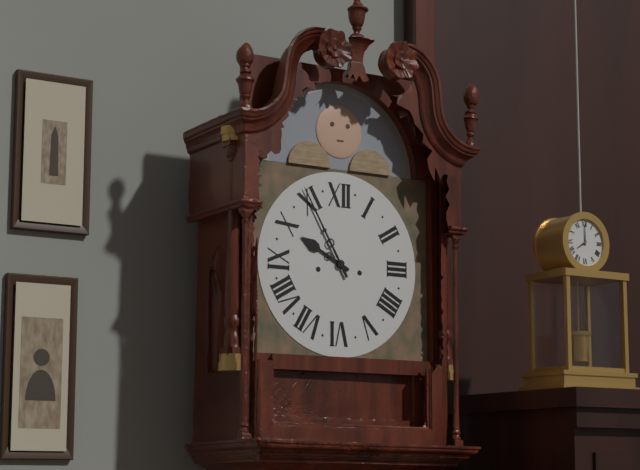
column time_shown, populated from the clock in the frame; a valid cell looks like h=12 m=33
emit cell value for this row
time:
h=9 m=55
